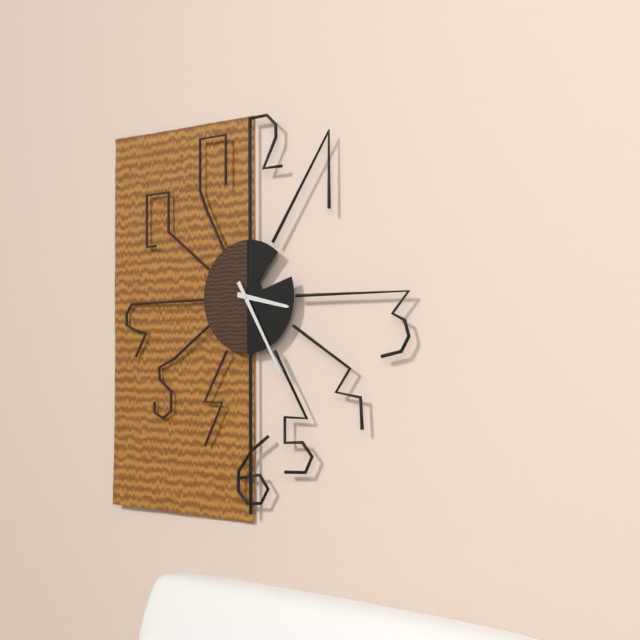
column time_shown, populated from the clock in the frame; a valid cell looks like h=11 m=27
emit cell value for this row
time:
h=3 m=25
